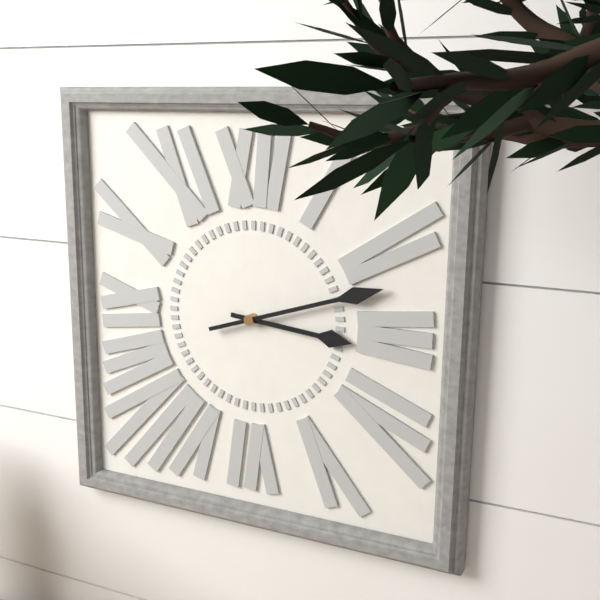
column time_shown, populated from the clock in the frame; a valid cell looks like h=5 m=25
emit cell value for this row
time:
h=3 m=12
